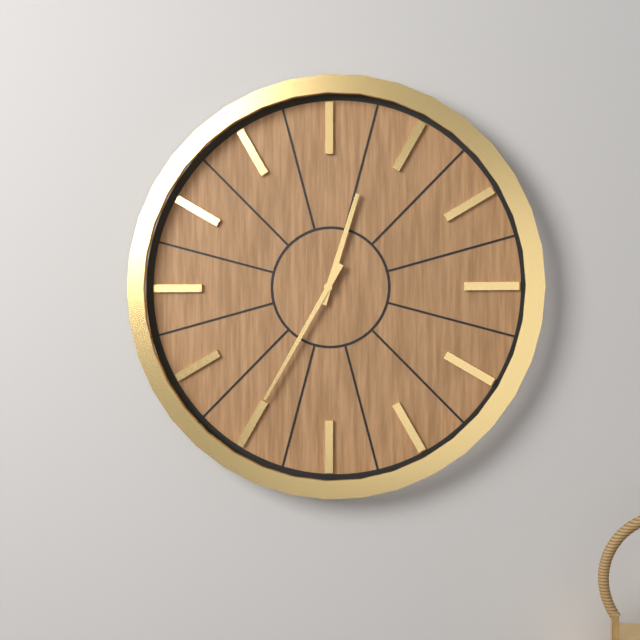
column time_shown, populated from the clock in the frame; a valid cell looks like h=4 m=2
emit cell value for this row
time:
h=12 m=35
